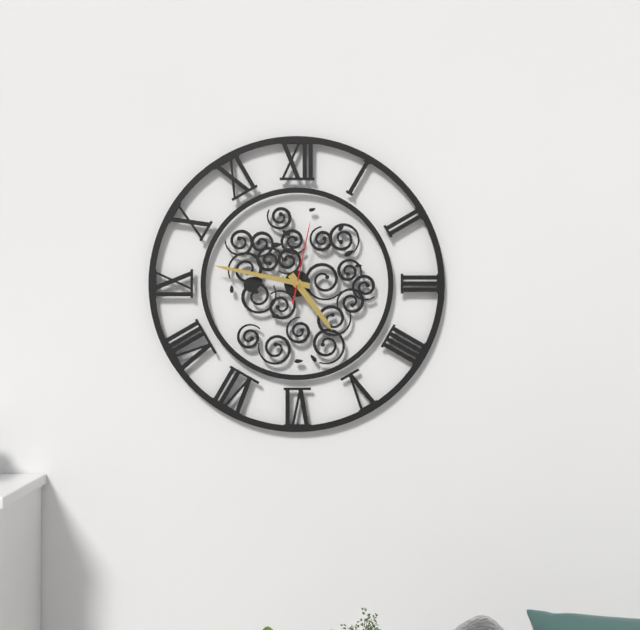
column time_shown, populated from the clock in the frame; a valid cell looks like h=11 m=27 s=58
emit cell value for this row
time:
h=4 m=47 s=2
